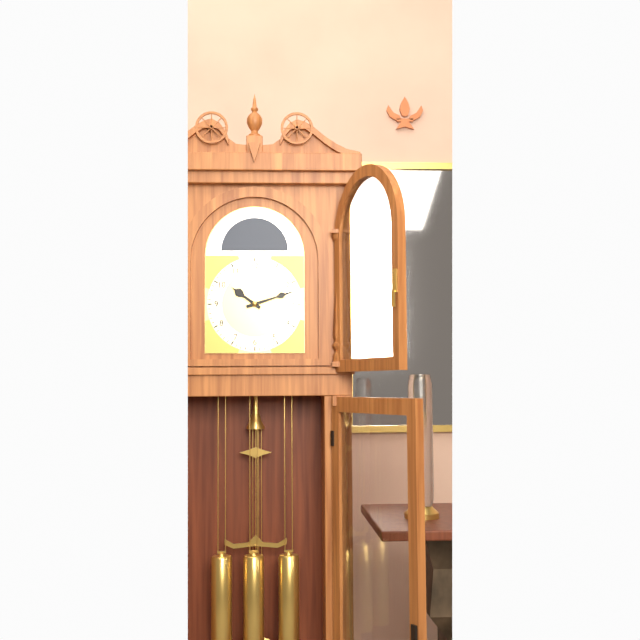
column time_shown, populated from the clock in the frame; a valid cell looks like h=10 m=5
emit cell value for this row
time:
h=10 m=12
